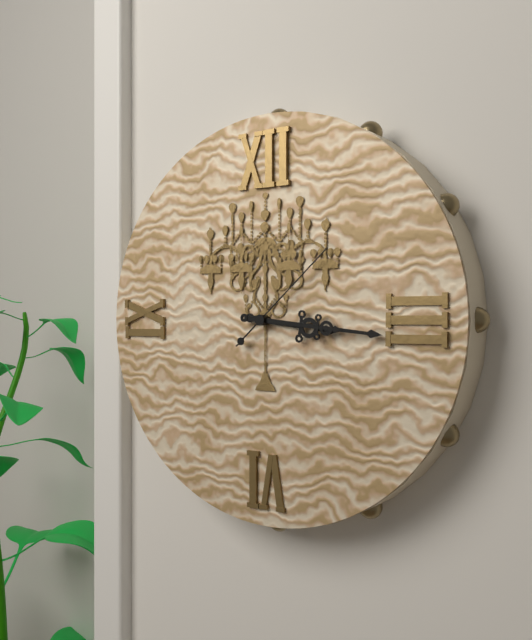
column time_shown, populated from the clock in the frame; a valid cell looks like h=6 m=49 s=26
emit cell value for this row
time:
h=3 m=16 s=8
